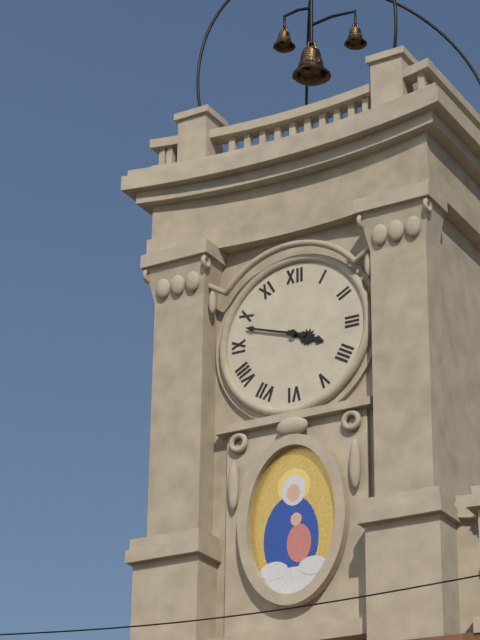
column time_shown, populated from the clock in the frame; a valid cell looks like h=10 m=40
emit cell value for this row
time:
h=3 m=48
